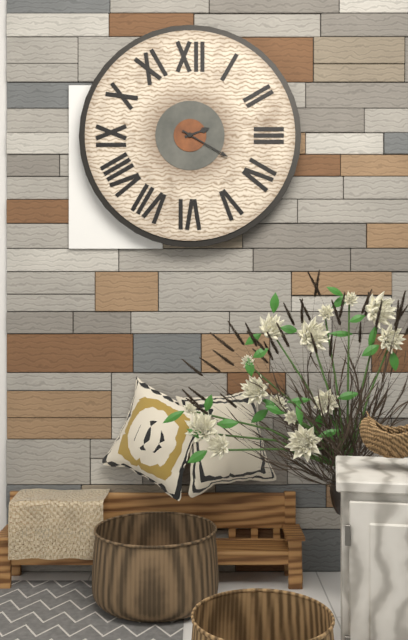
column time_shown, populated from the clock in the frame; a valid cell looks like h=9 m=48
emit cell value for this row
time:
h=2 m=20
